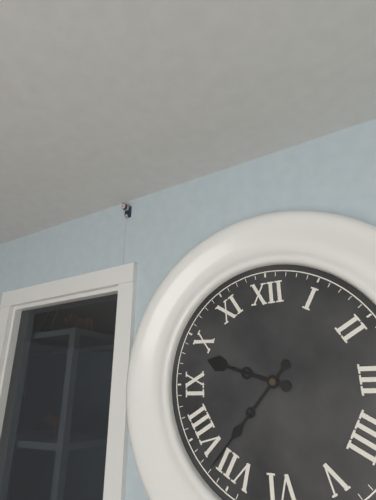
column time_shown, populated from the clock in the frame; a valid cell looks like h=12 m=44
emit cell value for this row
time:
h=9 m=37
